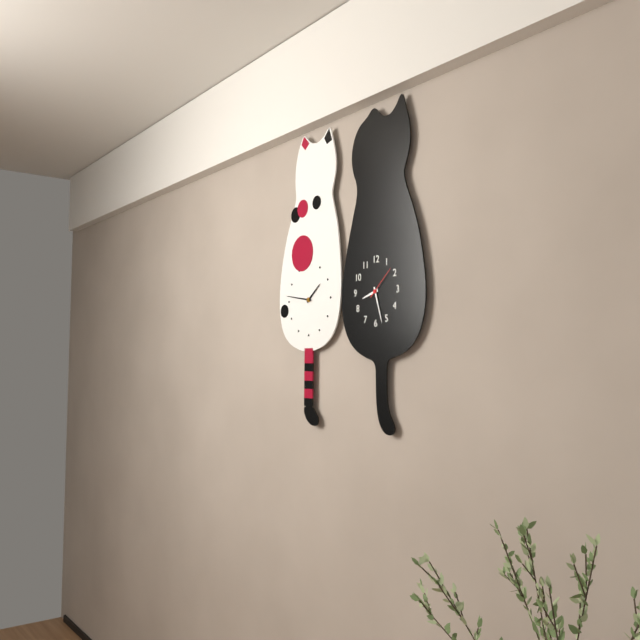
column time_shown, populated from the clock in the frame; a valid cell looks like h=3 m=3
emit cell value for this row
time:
h=8 m=27
